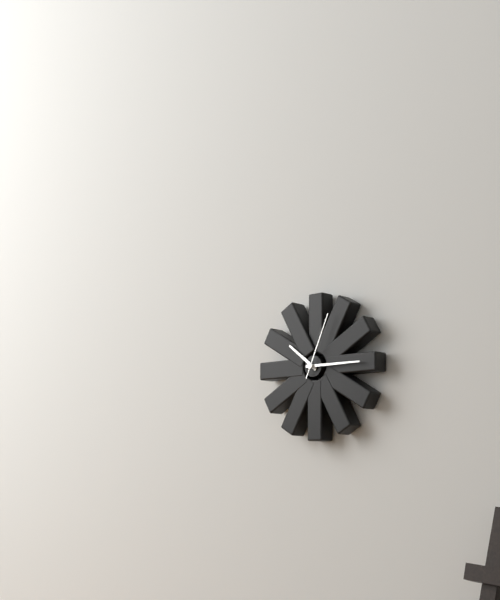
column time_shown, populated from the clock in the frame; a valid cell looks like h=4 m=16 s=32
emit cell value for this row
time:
h=10 m=15 s=4
